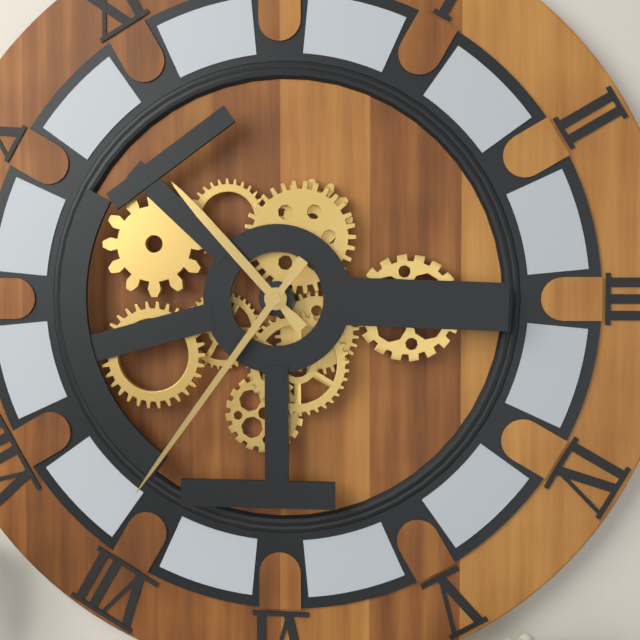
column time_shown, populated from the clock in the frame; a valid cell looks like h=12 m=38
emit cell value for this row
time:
h=10 m=36
